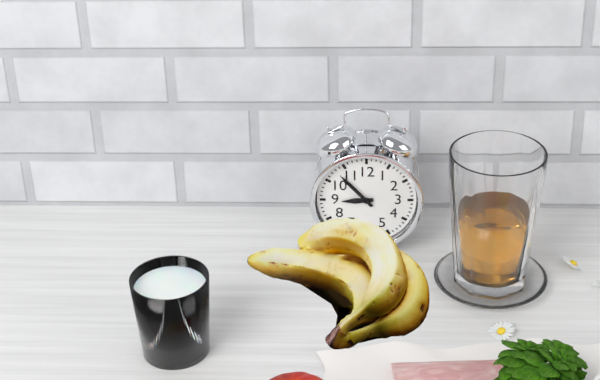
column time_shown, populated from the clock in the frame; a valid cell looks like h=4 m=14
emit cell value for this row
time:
h=8 m=53
